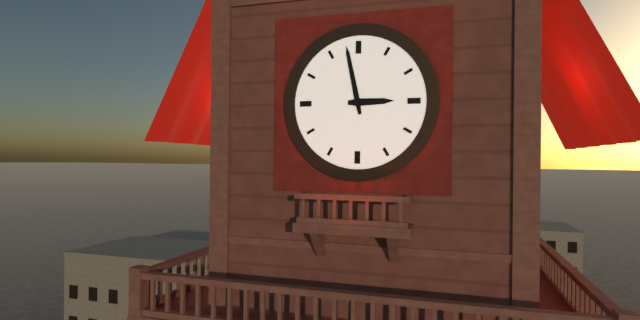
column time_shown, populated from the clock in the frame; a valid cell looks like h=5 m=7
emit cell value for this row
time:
h=2 m=58
